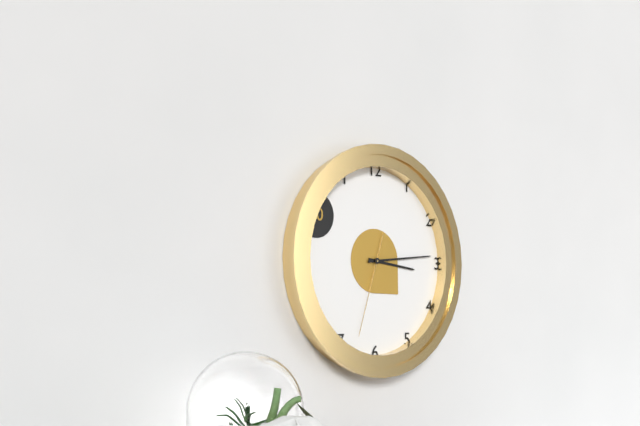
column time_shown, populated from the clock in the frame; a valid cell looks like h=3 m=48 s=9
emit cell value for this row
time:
h=3 m=14 s=33
